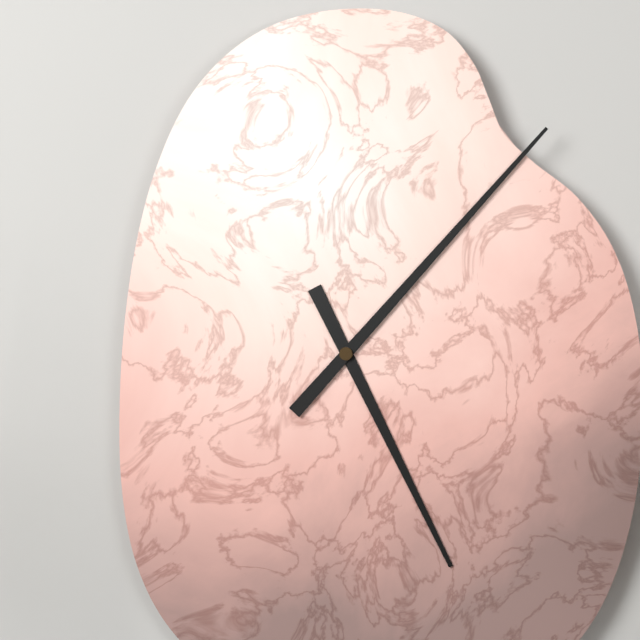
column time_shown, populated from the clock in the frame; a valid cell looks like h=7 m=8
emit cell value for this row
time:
h=5 m=7
